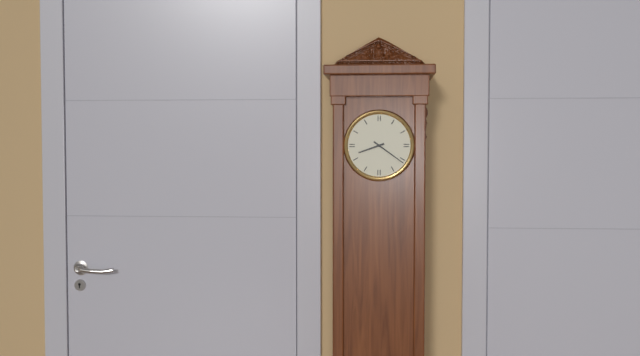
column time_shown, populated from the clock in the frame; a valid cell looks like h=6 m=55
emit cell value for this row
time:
h=8 m=21
